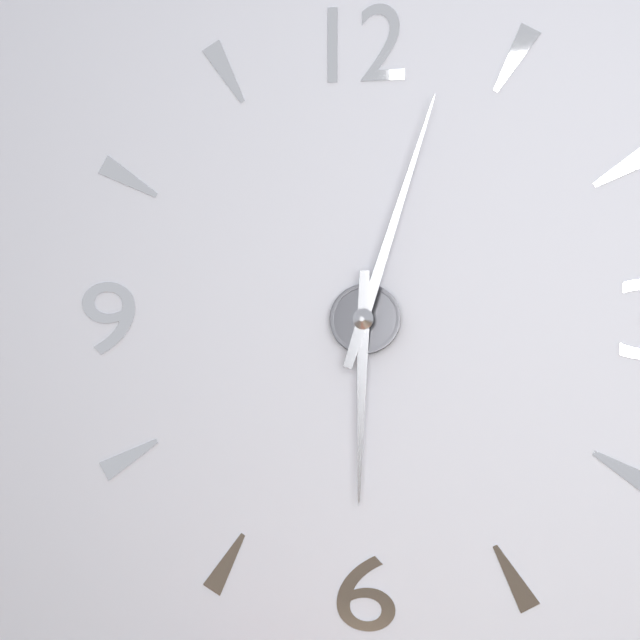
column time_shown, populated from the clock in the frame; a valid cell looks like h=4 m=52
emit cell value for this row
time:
h=6 m=3
